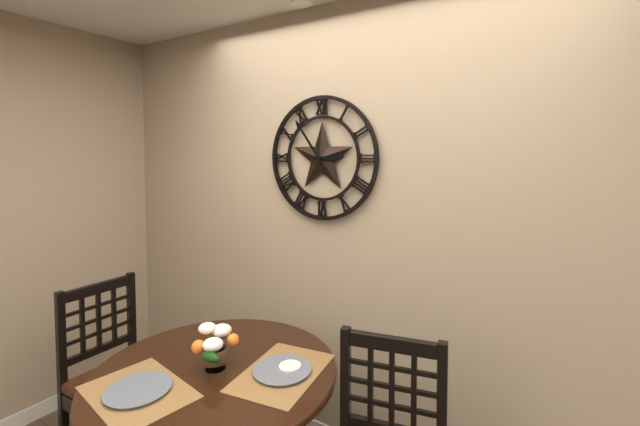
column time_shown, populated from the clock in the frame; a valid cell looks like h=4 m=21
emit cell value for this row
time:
h=2 m=54
